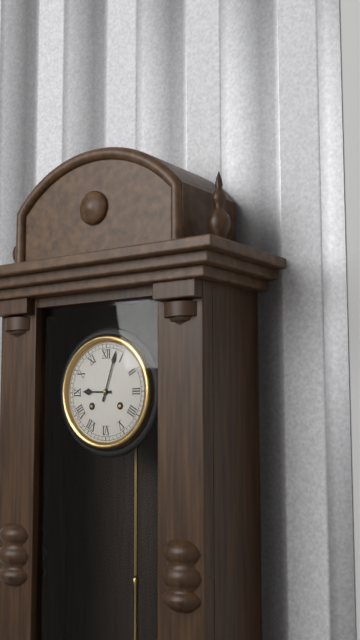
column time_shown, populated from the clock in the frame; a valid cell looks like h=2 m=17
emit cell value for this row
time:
h=9 m=3
